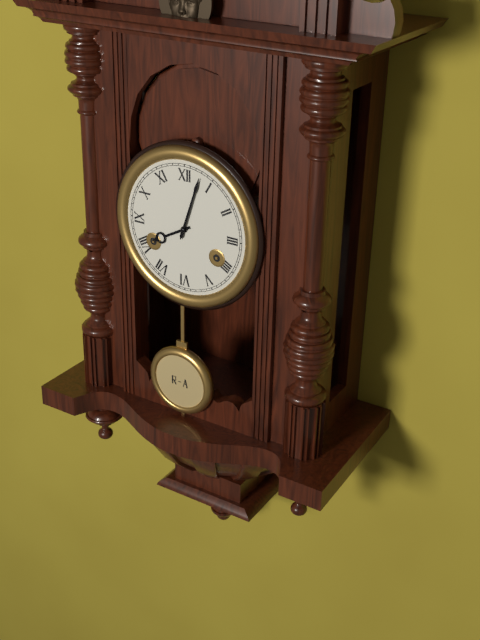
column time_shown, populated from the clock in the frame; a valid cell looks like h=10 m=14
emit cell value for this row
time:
h=8 m=3
